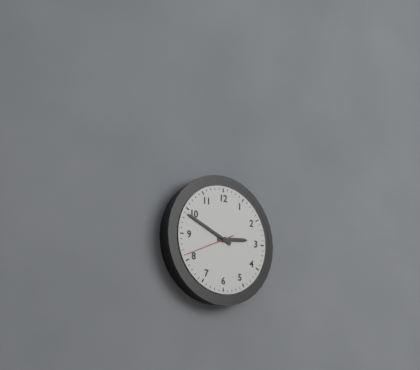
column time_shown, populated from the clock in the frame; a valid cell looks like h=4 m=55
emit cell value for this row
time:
h=2 m=49
